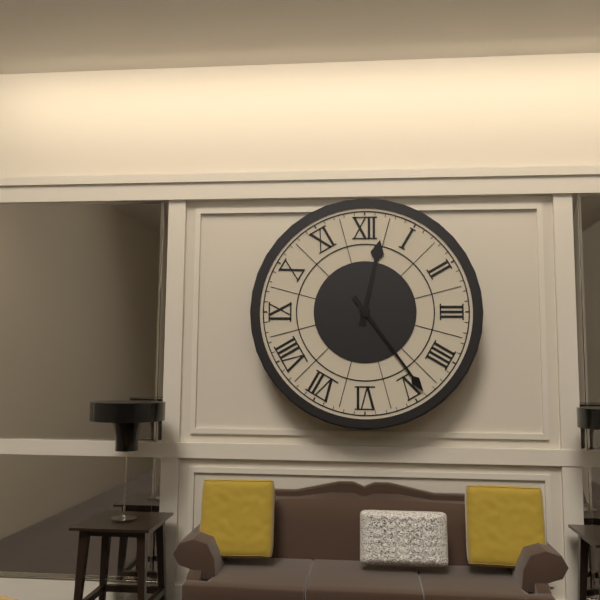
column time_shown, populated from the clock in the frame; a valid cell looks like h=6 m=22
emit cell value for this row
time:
h=12 m=24
